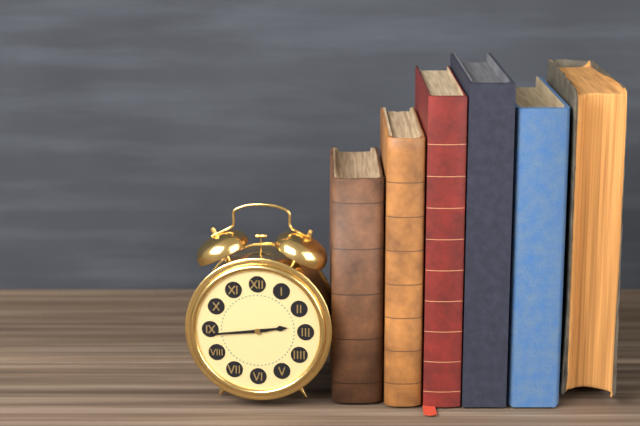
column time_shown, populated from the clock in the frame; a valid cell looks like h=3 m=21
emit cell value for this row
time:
h=2 m=44
